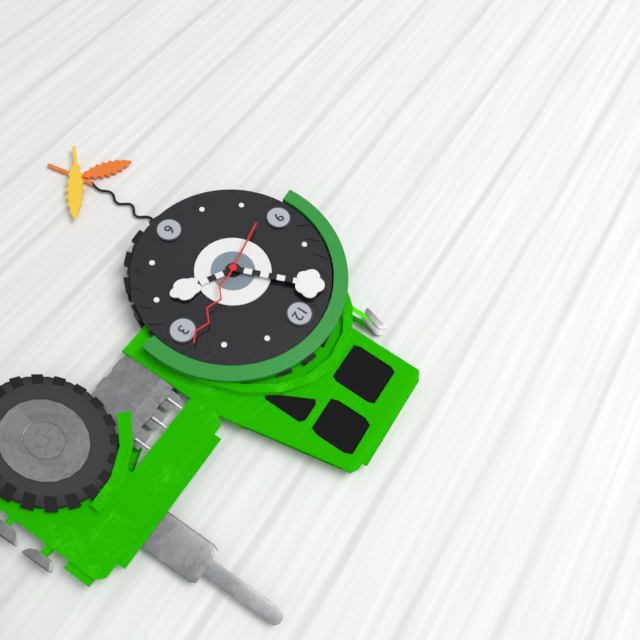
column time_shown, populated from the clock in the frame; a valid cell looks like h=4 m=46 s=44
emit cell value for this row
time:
h=3 m=56 s=13
